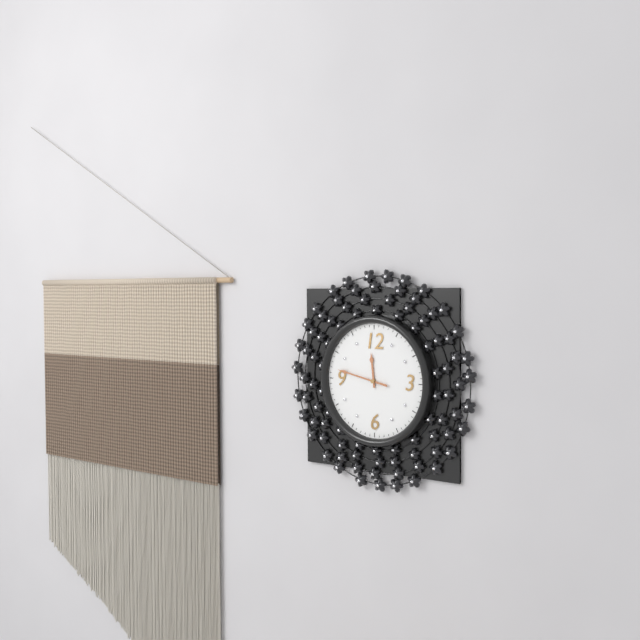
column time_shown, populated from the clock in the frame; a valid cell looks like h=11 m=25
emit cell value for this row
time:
h=11 m=47
